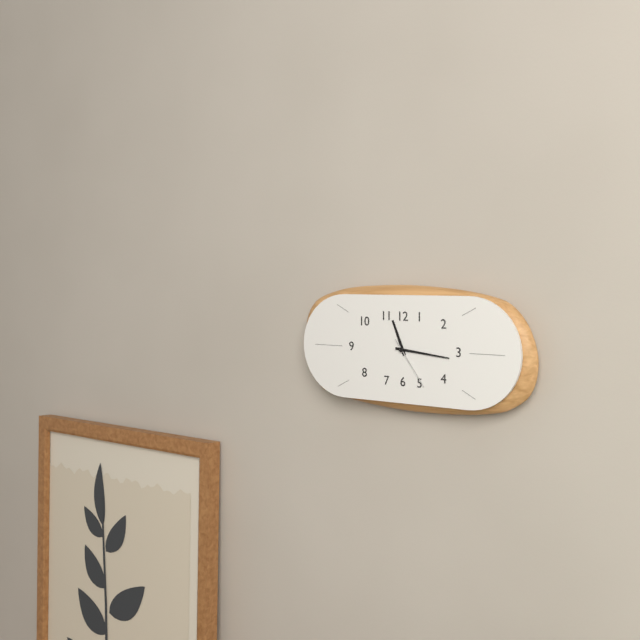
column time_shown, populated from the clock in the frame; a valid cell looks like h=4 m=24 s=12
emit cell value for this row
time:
h=11 m=16 s=24
